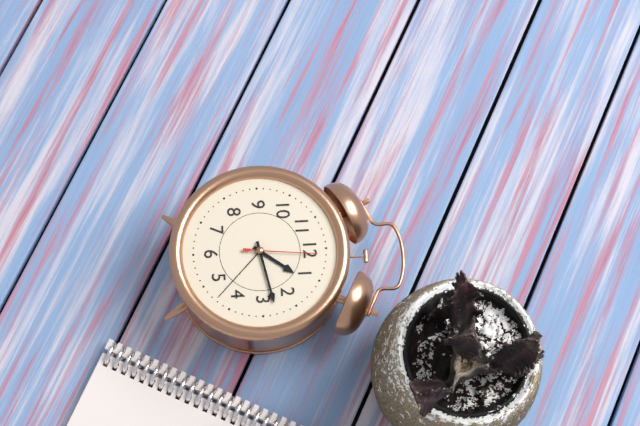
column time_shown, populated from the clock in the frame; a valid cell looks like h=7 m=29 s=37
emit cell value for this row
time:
h=1 m=13 s=1
